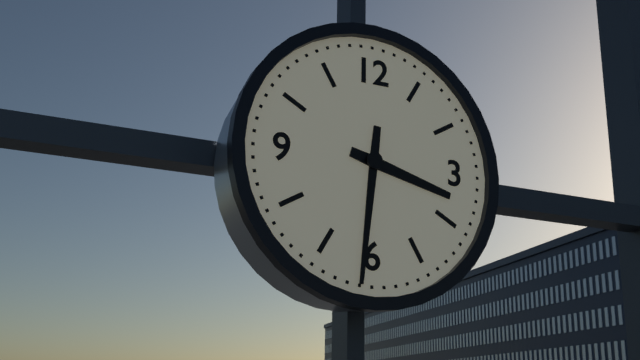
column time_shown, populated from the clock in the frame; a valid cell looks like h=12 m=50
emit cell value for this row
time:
h=3 m=31
